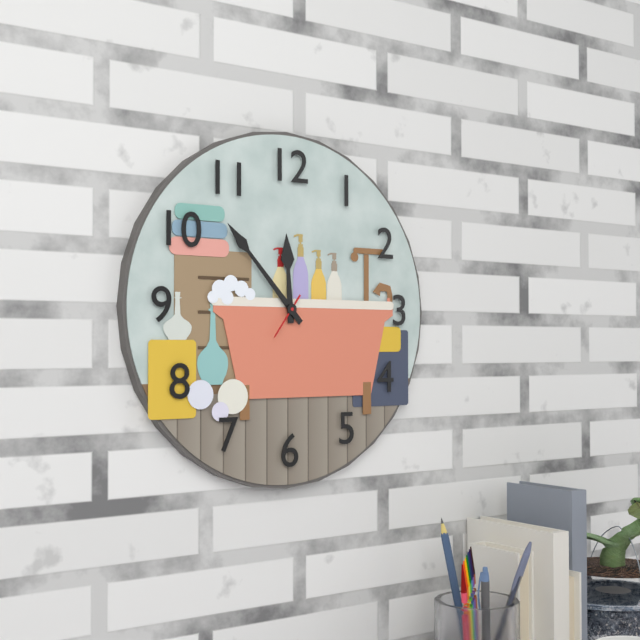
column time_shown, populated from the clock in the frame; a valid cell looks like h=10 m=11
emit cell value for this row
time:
h=11 m=53
